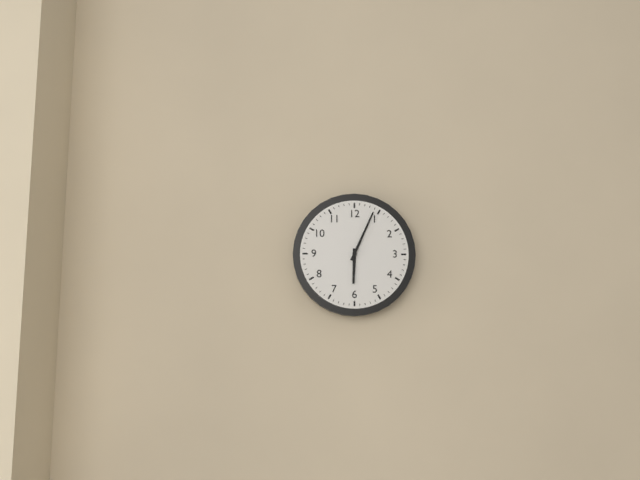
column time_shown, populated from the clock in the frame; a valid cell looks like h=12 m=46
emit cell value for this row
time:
h=6 m=4
